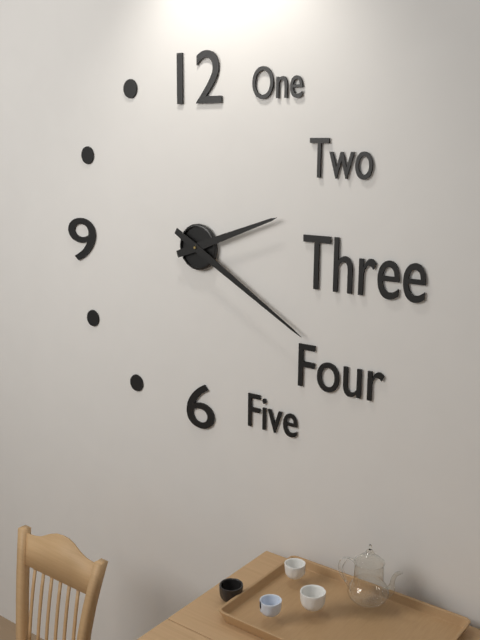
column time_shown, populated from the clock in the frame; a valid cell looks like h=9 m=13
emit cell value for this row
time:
h=2 m=20
